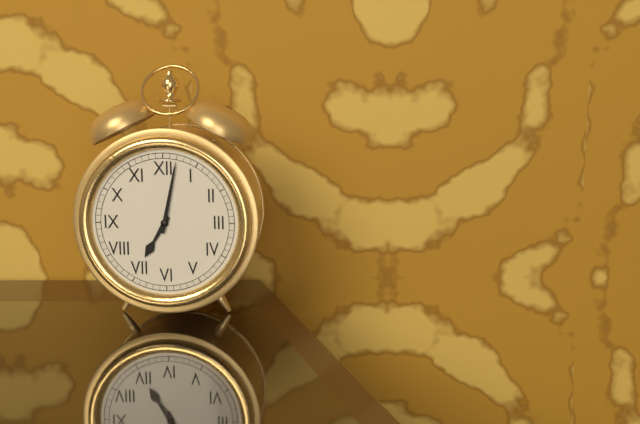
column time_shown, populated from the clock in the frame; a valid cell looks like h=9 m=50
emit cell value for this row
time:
h=7 m=2
